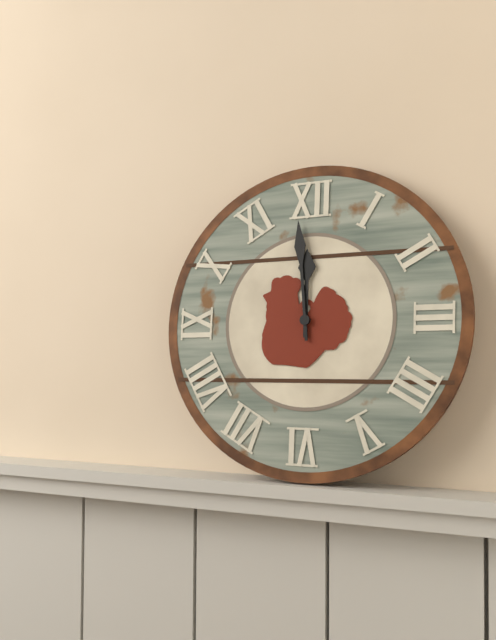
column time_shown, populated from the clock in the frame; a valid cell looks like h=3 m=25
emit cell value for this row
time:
h=11 m=59
